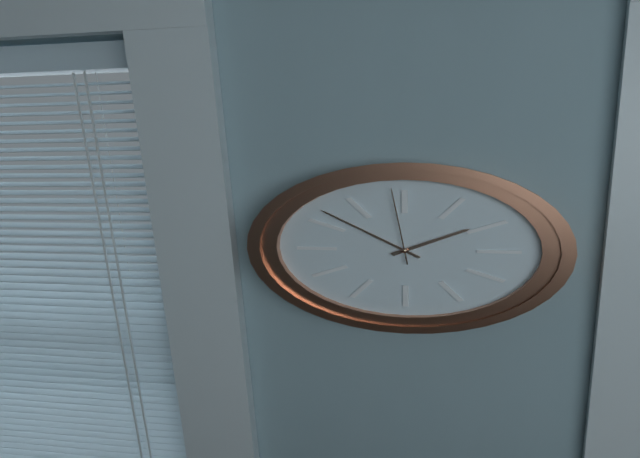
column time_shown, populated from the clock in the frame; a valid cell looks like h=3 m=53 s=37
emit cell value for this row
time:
h=1 m=52 s=59
